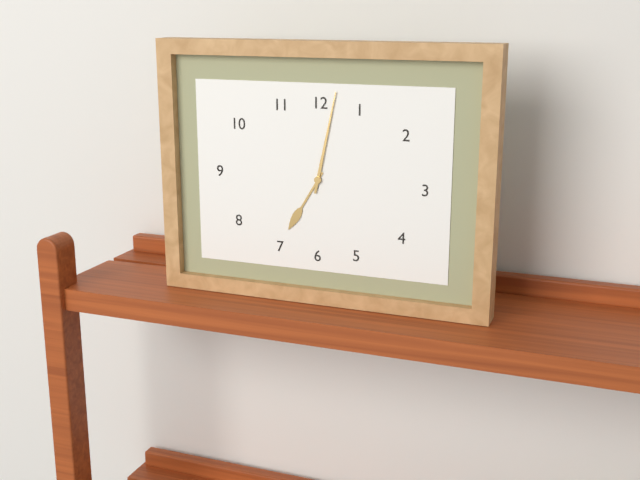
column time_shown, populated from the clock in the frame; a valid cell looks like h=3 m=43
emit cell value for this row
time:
h=7 m=2
